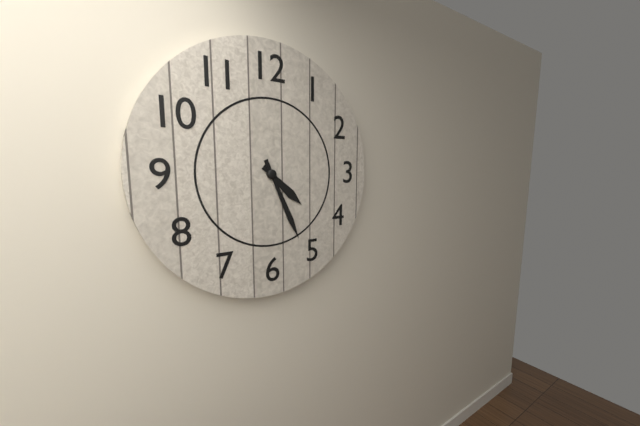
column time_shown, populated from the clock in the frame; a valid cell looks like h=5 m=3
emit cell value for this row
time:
h=4 m=26
